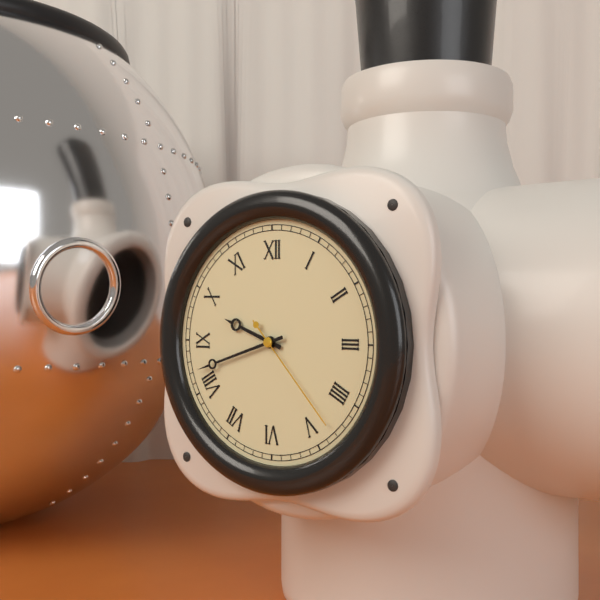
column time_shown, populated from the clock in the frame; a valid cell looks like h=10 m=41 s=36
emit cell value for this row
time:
h=9 m=42 s=23
